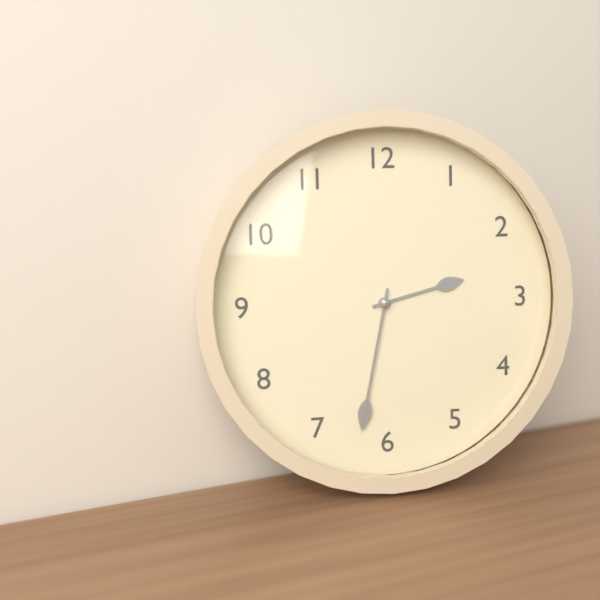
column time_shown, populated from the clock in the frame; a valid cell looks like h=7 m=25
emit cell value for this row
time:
h=2 m=32
